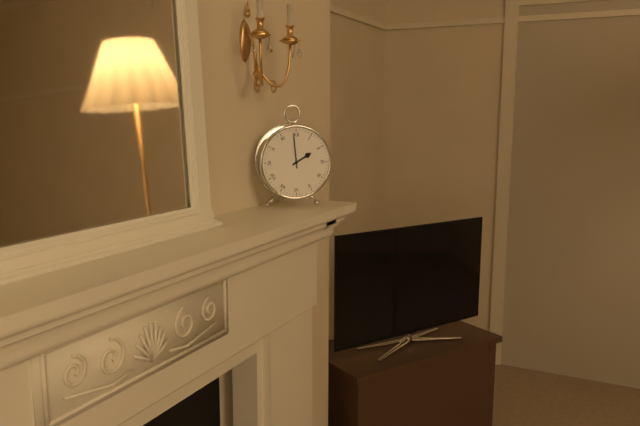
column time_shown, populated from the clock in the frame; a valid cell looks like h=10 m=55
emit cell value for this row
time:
h=1 m=59
